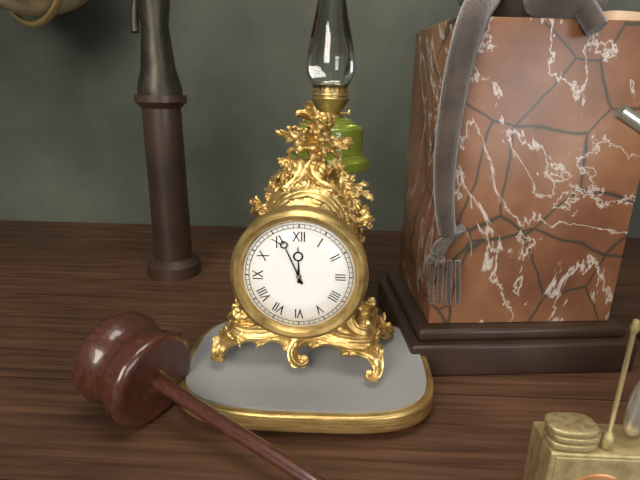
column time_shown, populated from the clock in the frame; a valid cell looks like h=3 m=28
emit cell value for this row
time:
h=11 m=56
